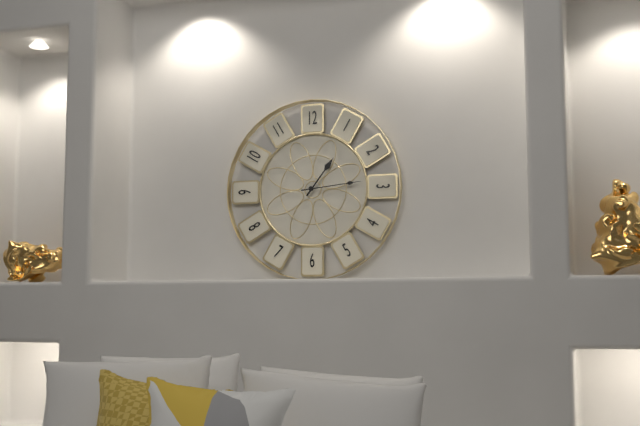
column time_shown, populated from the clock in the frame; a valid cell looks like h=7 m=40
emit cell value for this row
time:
h=1 m=14
